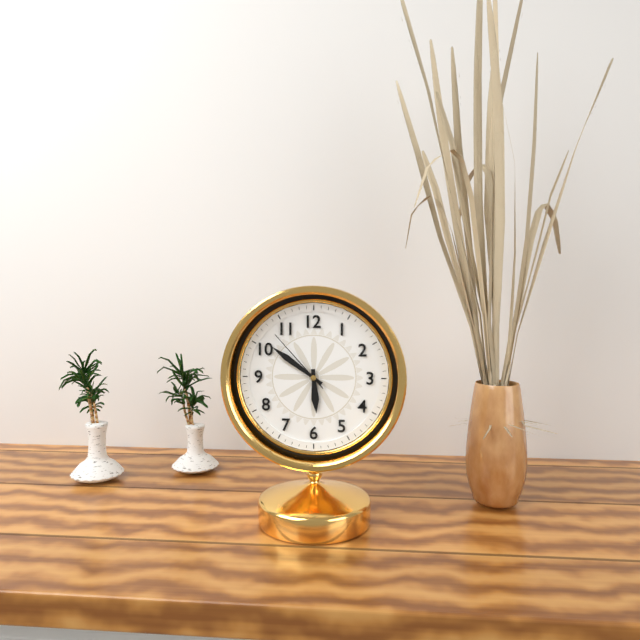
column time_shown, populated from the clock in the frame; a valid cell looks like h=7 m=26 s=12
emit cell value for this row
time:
h=5 m=51 s=53
